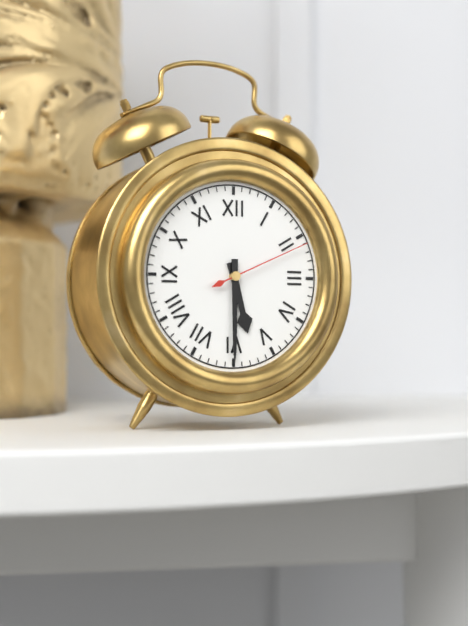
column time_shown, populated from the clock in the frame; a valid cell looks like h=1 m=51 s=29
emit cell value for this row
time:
h=5 m=30 s=11
